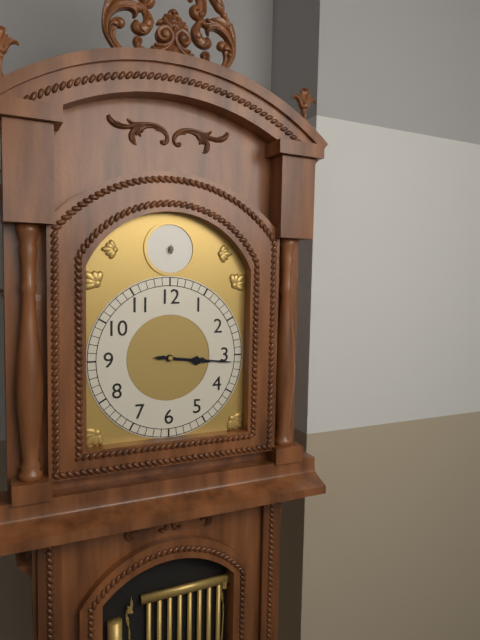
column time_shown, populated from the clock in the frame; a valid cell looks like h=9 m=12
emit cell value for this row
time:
h=3 m=16
